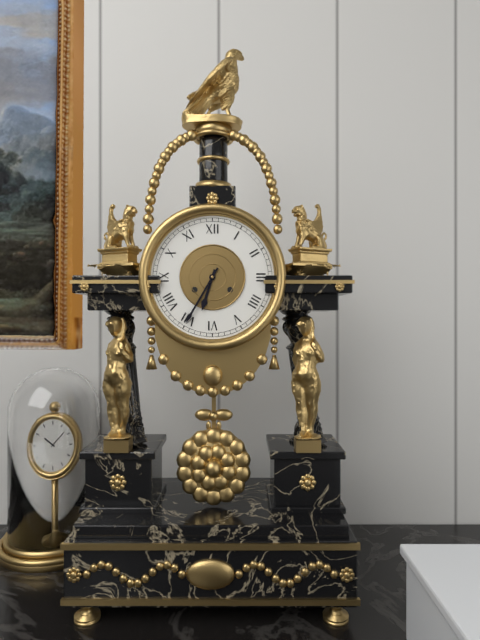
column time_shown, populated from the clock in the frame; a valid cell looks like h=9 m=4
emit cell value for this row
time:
h=6 m=35
